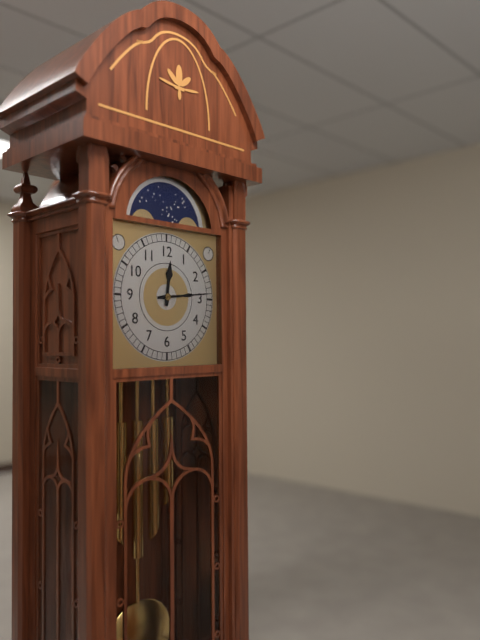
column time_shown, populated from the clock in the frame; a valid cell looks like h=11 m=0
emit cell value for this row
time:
h=12 m=14
